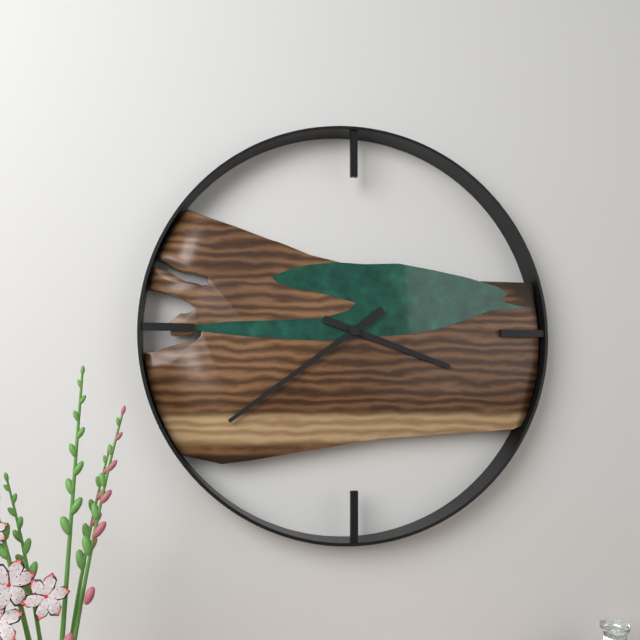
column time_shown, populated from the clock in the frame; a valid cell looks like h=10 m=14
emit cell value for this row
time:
h=3 m=39
